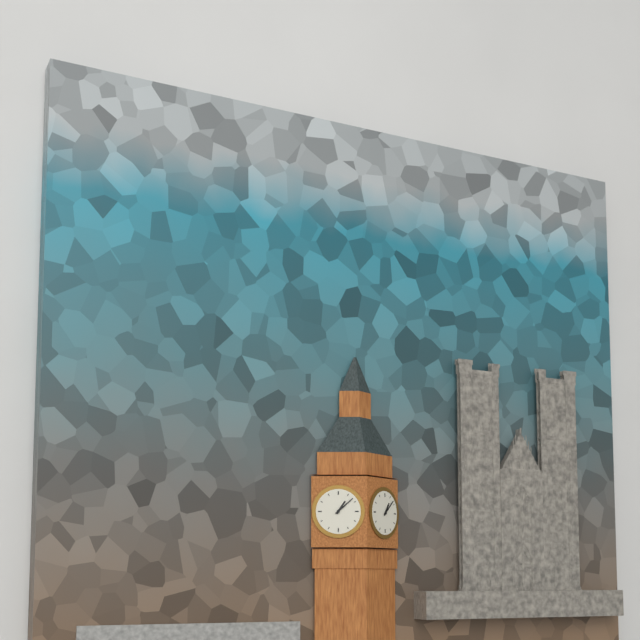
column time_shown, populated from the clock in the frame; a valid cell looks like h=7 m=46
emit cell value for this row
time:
h=1 m=8
